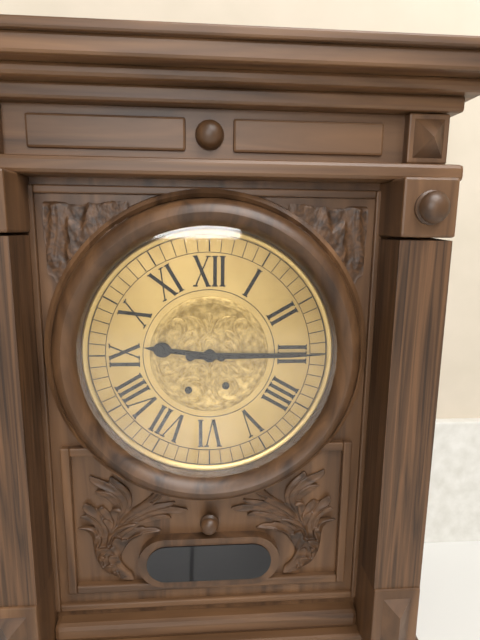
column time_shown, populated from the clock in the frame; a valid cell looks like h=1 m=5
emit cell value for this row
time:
h=9 m=15
